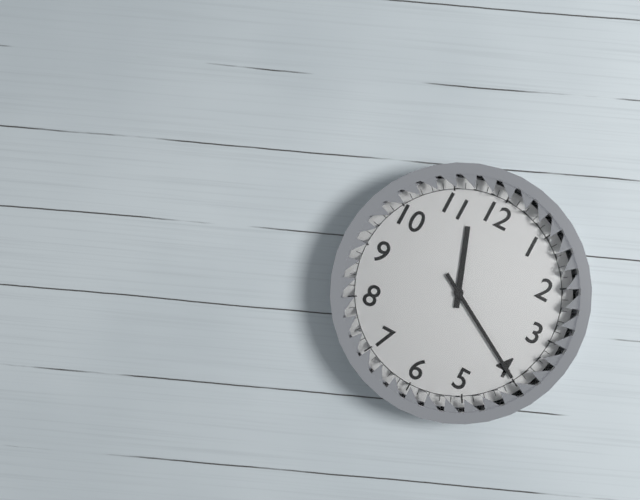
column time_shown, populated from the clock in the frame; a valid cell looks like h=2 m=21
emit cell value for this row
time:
h=11 m=20
